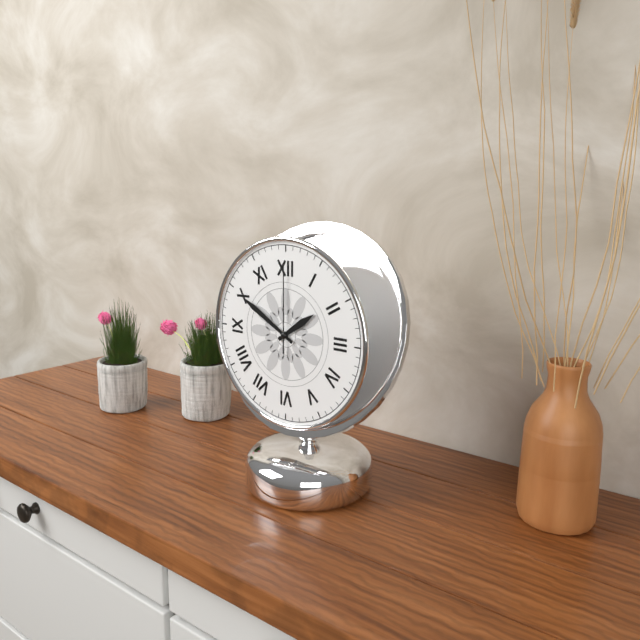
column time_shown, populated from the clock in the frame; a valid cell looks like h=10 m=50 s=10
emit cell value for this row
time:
h=1 m=50 s=0
